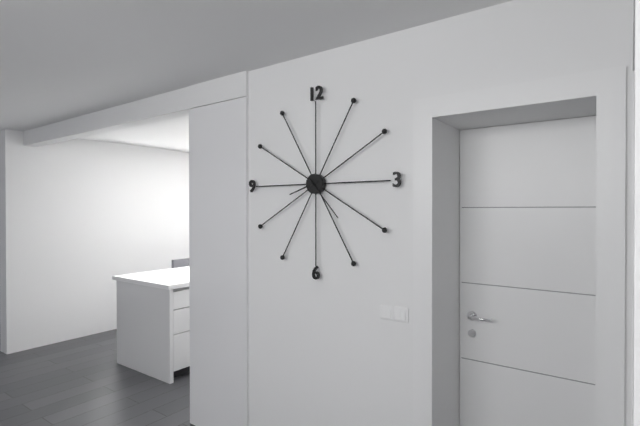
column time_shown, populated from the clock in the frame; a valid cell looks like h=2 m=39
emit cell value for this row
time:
h=8 m=23
